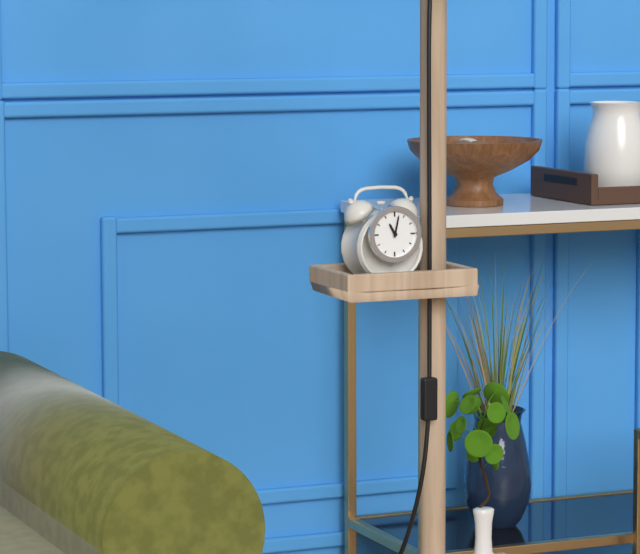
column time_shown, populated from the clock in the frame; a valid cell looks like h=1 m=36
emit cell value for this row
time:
h=11 m=2
